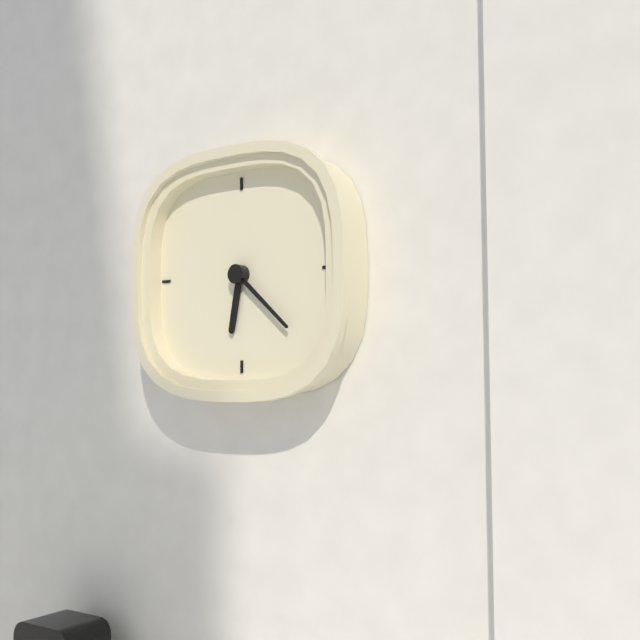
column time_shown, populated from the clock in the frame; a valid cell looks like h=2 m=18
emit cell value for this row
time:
h=6 m=22
